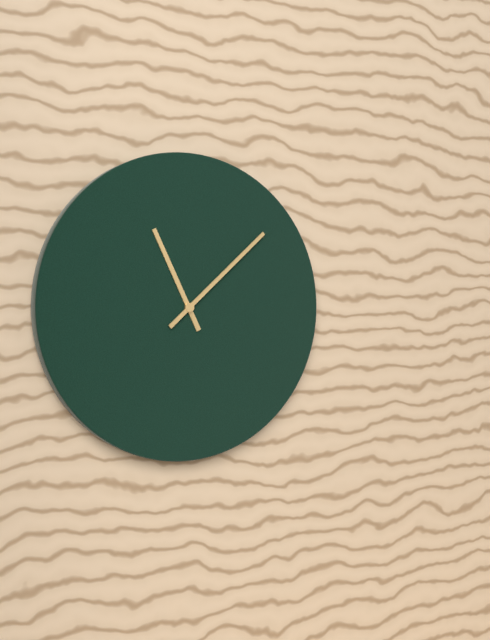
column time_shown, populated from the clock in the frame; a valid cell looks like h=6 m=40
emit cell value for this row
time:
h=11 m=8
